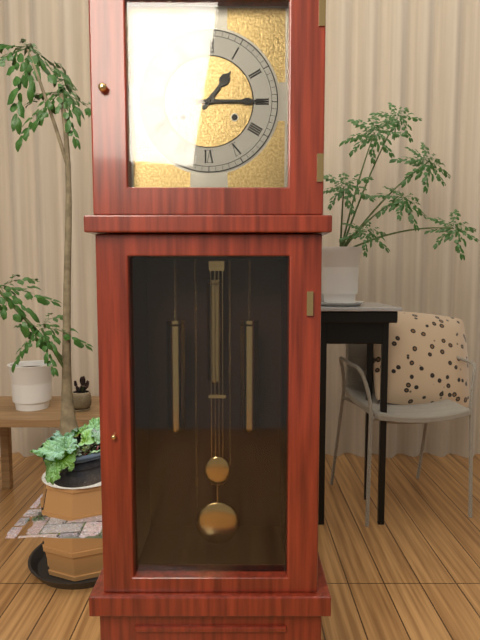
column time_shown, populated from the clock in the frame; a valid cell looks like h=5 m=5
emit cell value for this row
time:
h=1 m=15
